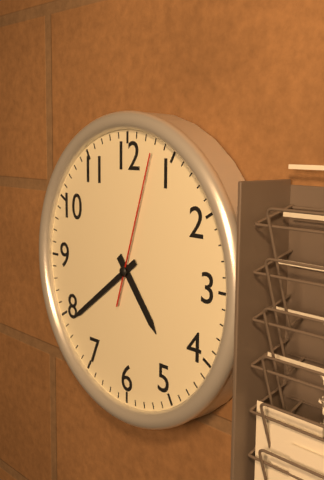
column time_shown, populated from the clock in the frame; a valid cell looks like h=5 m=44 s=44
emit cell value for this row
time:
h=4 m=39 s=3
